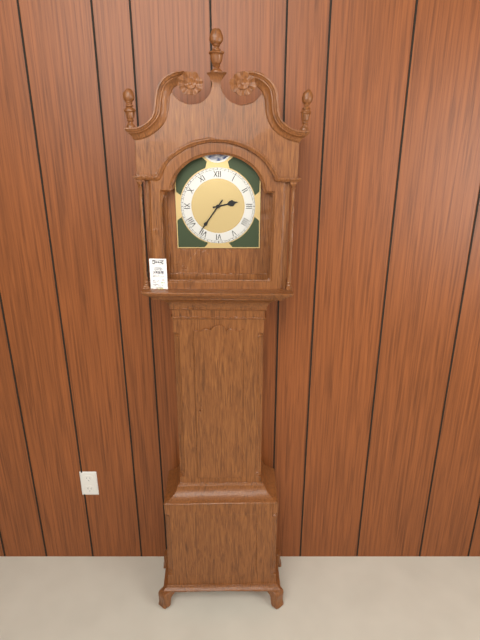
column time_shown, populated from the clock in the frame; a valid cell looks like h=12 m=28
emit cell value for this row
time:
h=2 m=36
